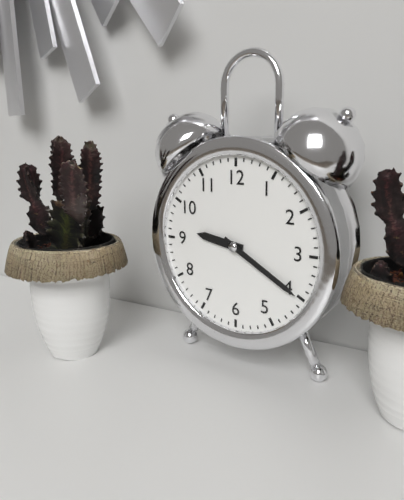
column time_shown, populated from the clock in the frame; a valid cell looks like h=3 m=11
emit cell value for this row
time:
h=9 m=20
